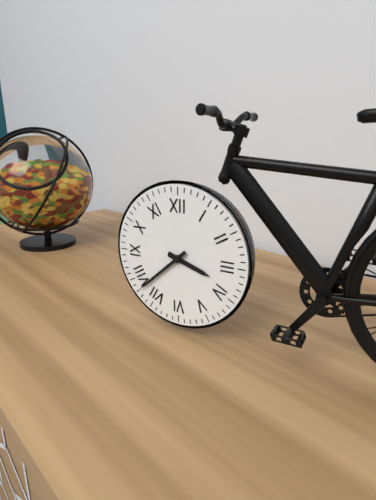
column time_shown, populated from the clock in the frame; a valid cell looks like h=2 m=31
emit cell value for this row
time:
h=3 m=38
